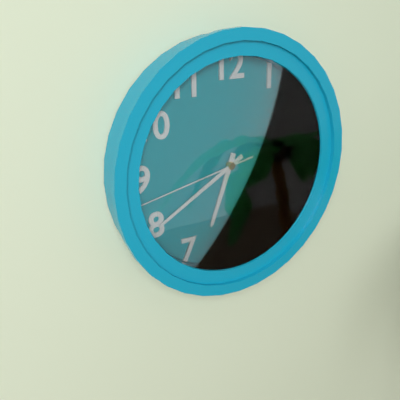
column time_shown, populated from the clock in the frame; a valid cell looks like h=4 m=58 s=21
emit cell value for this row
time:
h=6 m=40 s=43
